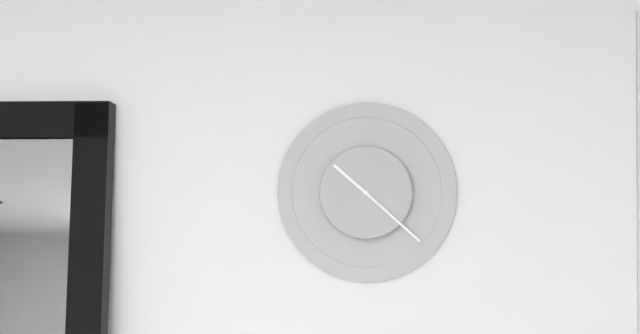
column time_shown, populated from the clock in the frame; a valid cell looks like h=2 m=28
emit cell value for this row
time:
h=10 m=22
